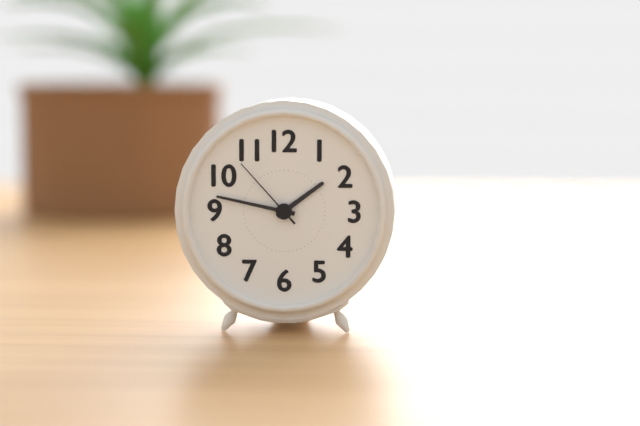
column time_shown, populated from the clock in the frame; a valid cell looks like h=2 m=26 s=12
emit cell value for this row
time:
h=1 m=47 s=53
